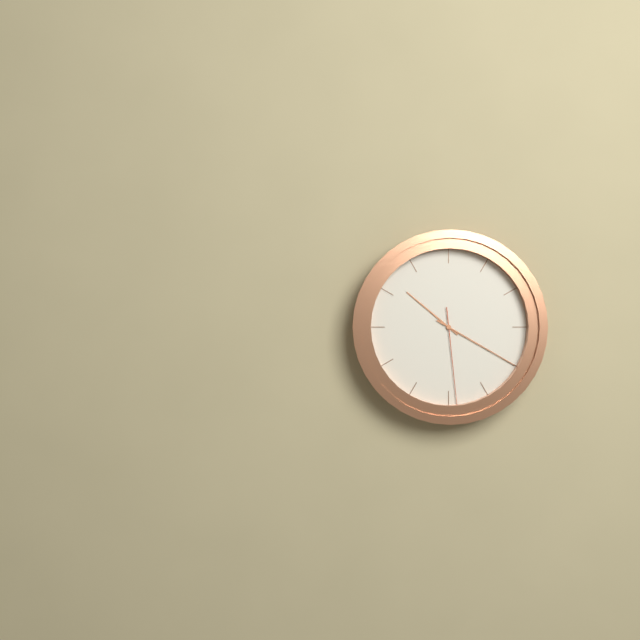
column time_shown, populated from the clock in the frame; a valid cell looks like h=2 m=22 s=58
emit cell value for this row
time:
h=10 m=20 s=29
